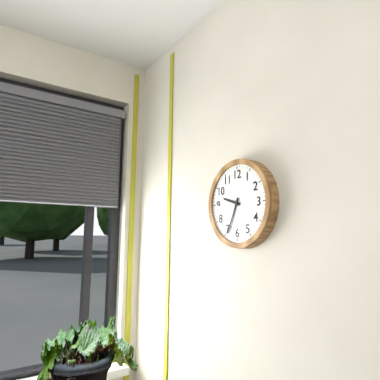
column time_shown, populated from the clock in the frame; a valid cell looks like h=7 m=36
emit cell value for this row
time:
h=9 m=34
